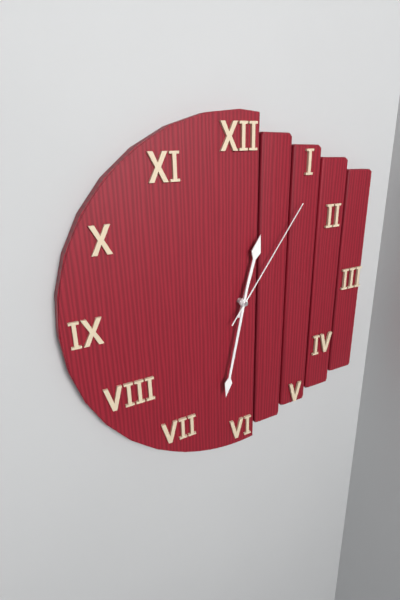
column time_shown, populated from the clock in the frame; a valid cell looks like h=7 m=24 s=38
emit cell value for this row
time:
h=12 m=32 s=6
